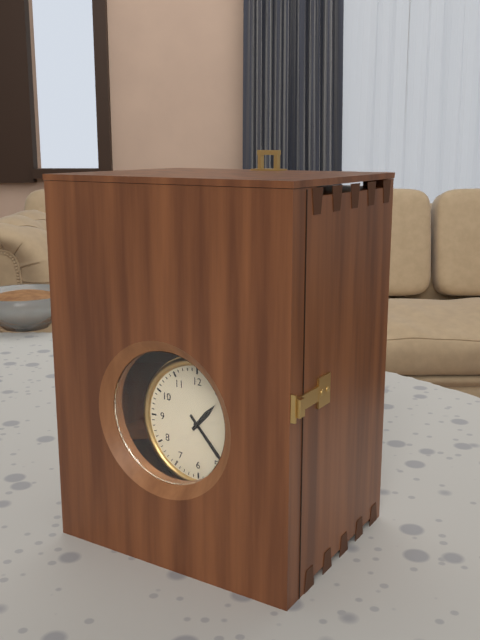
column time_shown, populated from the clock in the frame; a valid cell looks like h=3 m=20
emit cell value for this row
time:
h=1 m=23
